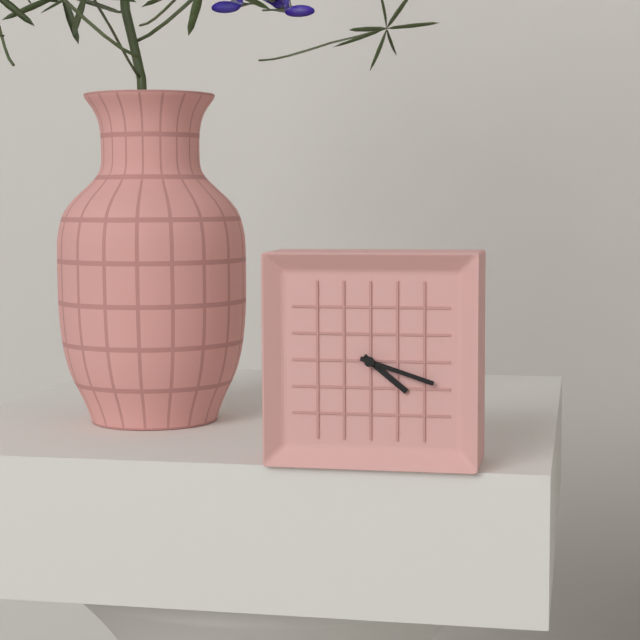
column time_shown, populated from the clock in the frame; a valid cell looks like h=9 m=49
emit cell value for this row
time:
h=4 m=18
